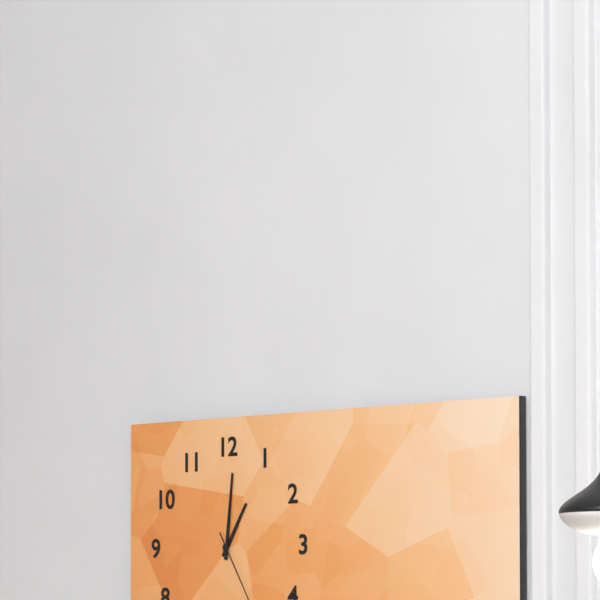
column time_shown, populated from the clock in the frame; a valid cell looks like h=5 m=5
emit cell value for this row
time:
h=1 m=1
